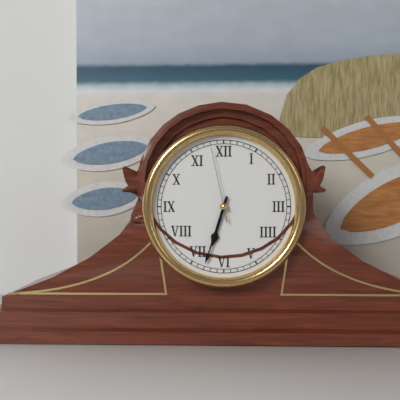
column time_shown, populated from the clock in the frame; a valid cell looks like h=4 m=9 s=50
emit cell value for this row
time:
h=6 m=33 s=58
